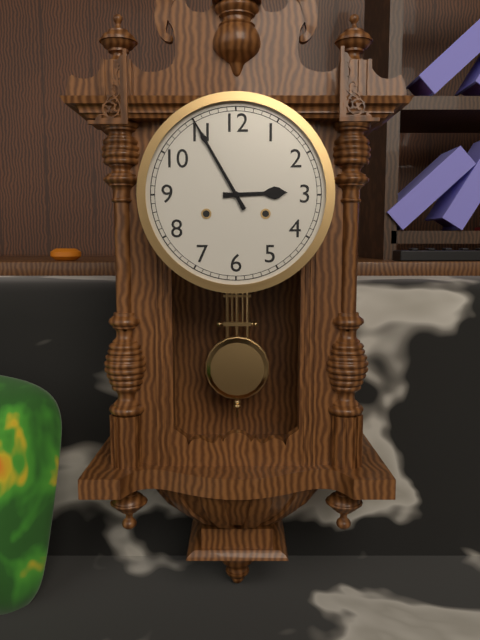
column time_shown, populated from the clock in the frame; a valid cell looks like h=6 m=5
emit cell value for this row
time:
h=2 m=55
